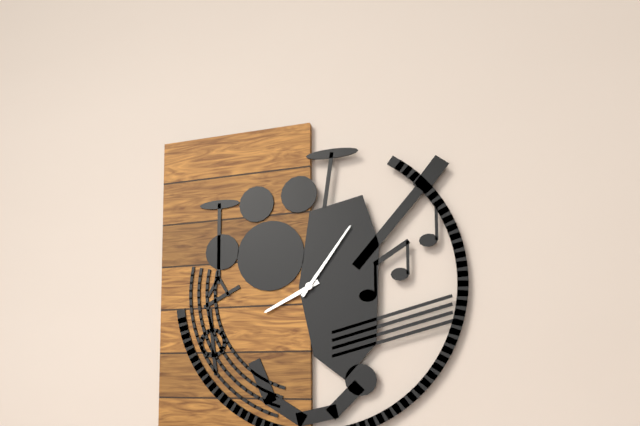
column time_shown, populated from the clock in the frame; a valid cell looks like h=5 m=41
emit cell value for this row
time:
h=8 m=6
